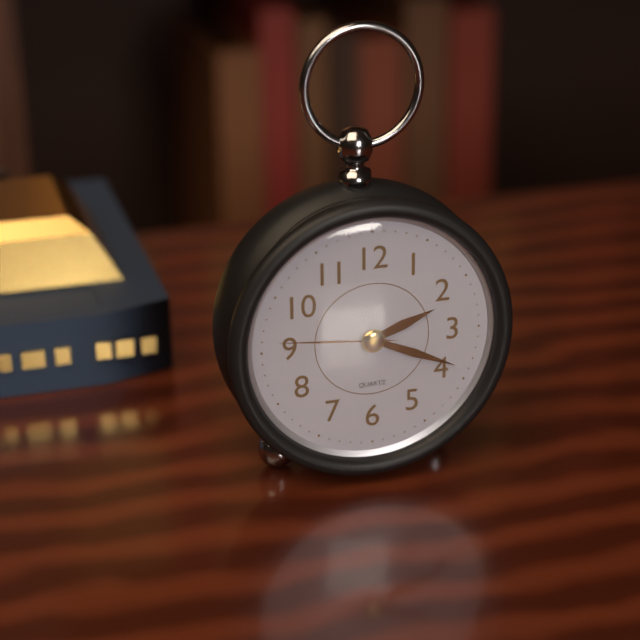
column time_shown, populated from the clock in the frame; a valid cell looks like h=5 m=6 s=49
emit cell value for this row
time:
h=2 m=19 s=46
